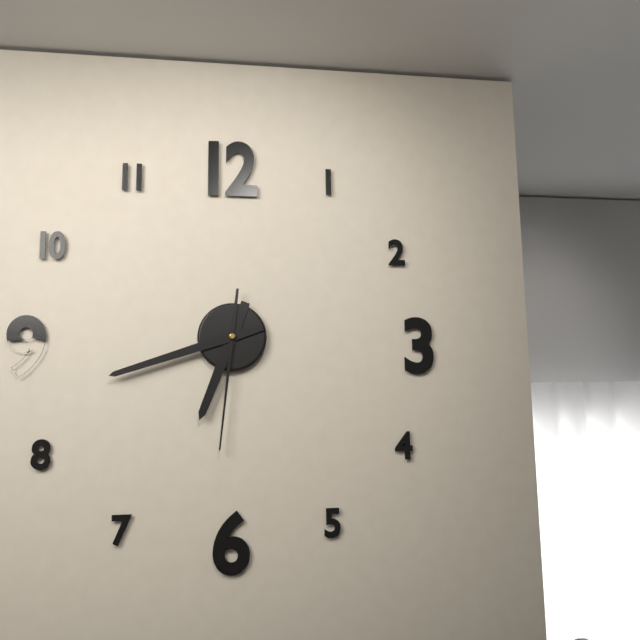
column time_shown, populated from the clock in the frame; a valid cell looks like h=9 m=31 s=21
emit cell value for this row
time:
h=6 m=42 s=31
